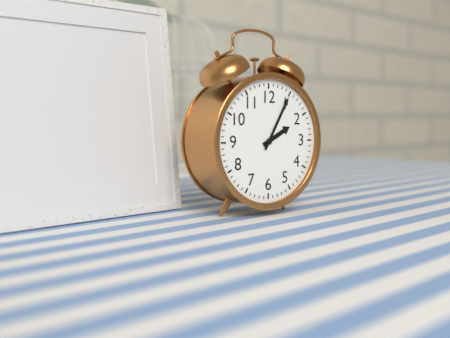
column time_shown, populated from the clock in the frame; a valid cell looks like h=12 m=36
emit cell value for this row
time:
h=2 m=5
